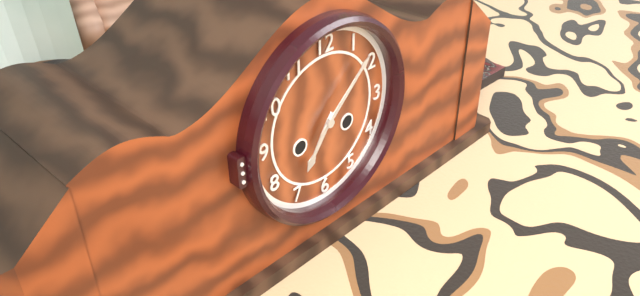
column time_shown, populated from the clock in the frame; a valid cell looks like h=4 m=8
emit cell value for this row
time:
h=7 m=8
